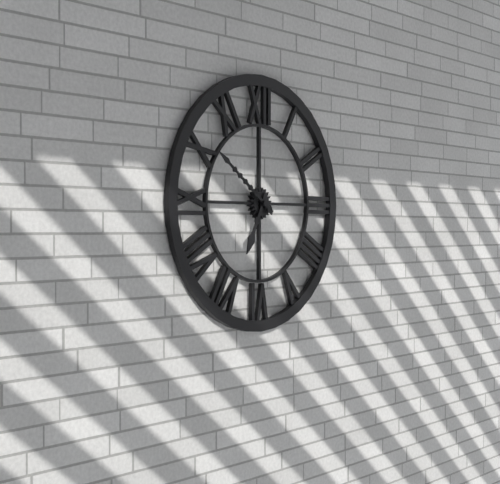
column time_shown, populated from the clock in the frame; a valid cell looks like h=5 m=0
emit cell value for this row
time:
h=6 m=51
